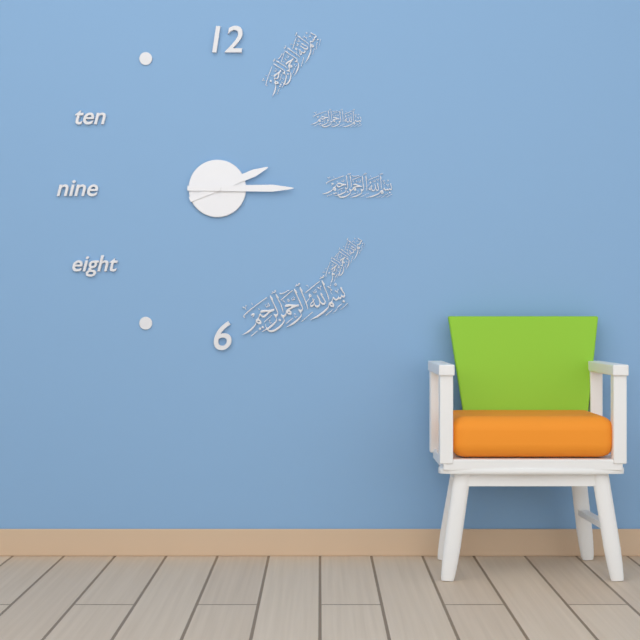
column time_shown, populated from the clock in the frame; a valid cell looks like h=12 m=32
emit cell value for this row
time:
h=2 m=15
